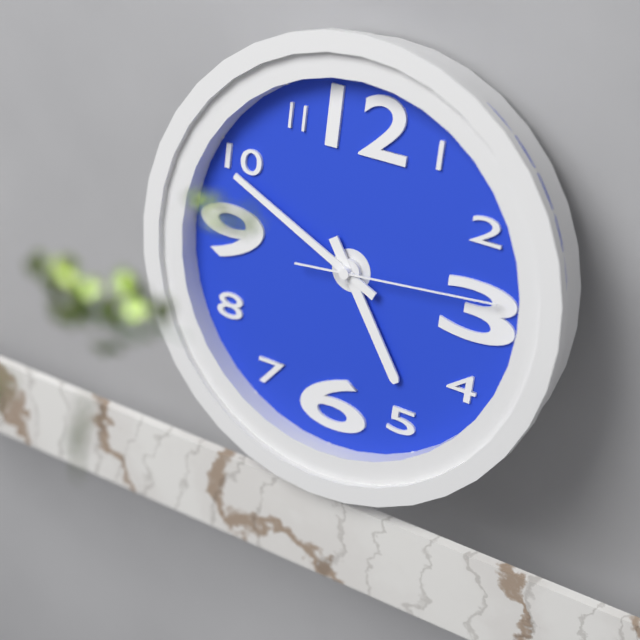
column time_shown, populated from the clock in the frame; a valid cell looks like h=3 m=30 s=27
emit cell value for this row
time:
h=4 m=49 s=14
